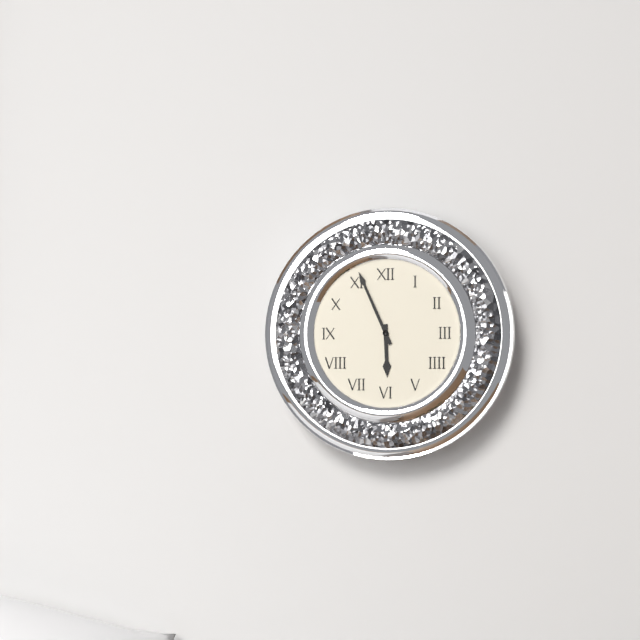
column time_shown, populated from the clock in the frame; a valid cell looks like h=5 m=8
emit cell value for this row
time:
h=5 m=56
